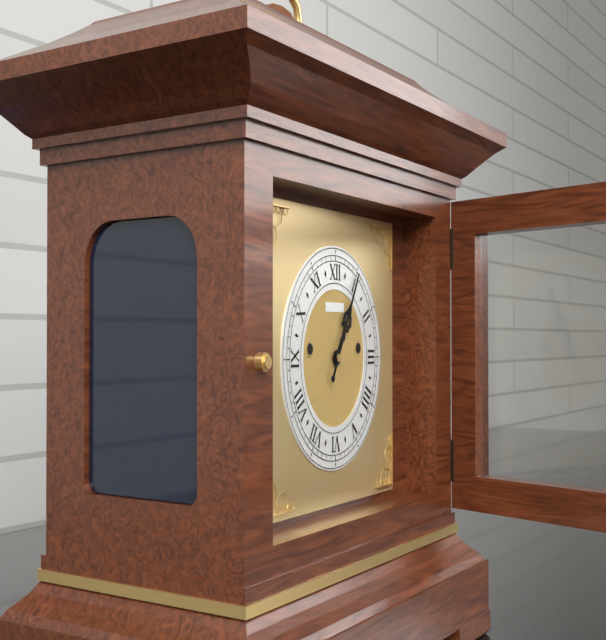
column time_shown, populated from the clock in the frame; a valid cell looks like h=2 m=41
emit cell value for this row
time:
h=1 m=5
